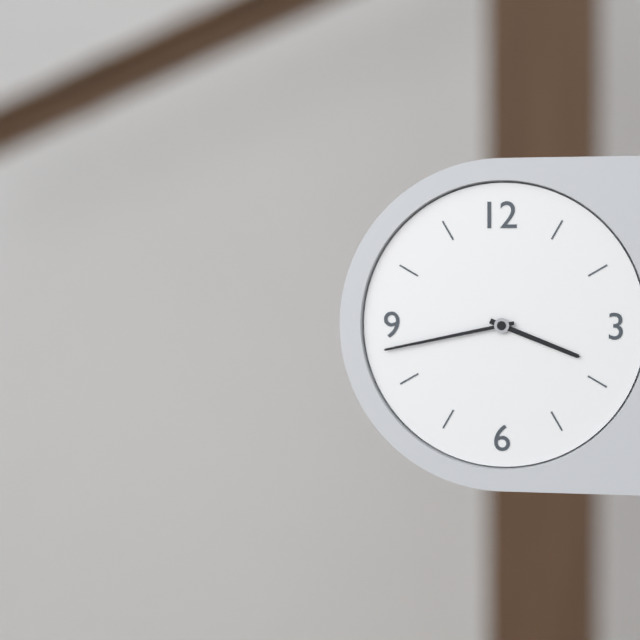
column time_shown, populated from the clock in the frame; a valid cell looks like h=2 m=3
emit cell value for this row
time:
h=3 m=43
